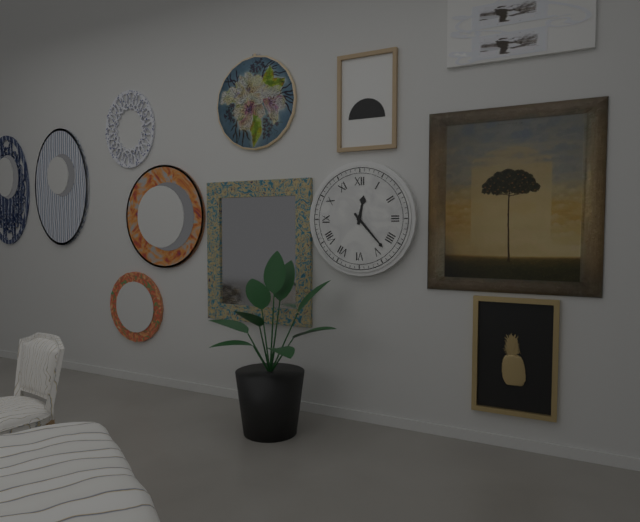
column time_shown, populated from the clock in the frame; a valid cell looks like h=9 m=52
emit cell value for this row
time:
h=12 m=23
